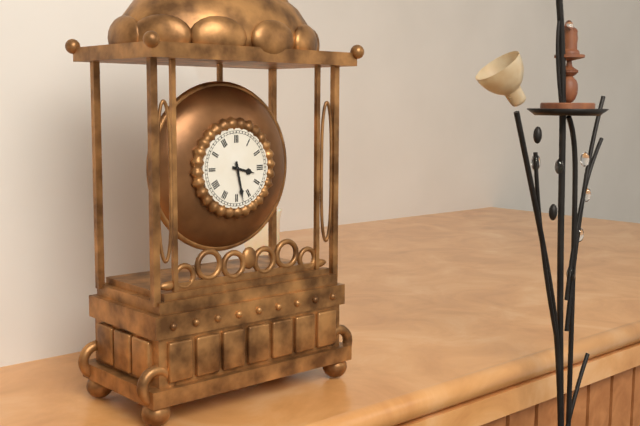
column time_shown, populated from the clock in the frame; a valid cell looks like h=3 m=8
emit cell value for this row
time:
h=3 m=28
